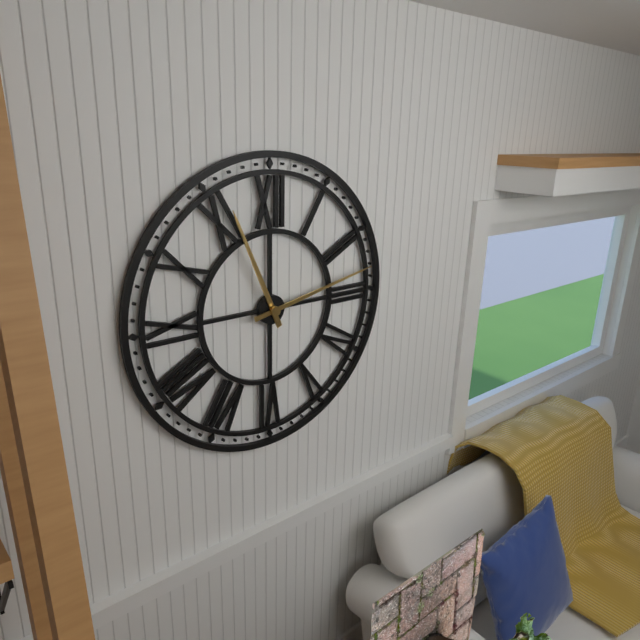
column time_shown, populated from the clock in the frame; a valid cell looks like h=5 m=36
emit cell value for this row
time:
h=11 m=13
